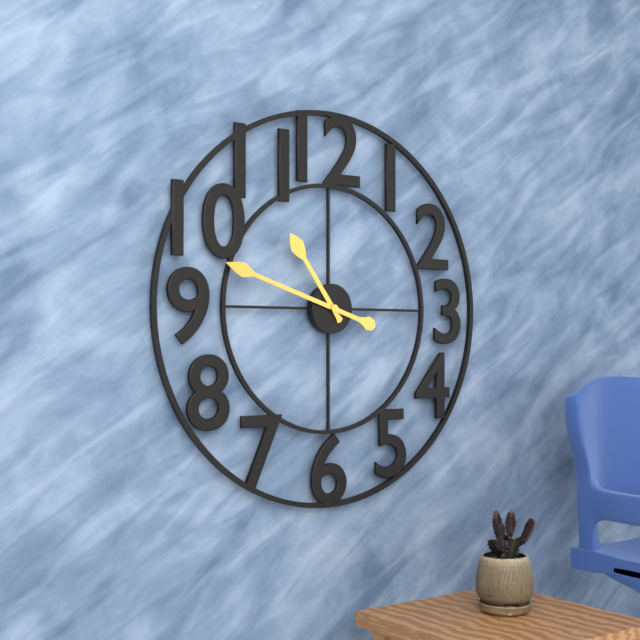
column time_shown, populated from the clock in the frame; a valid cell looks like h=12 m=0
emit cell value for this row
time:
h=10 m=48
